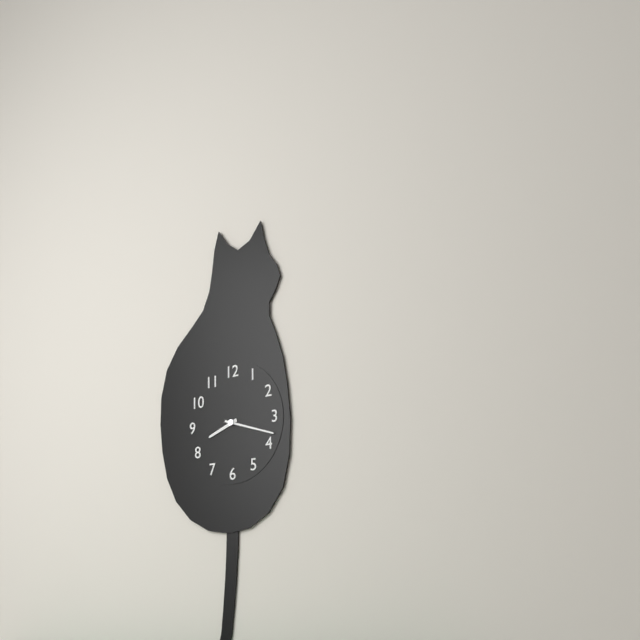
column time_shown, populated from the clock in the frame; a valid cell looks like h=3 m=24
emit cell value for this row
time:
h=8 m=18
